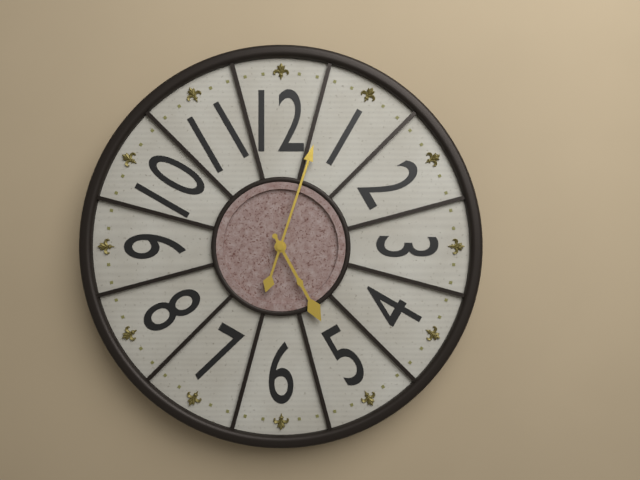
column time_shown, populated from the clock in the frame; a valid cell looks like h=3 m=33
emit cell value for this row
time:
h=5 m=3
